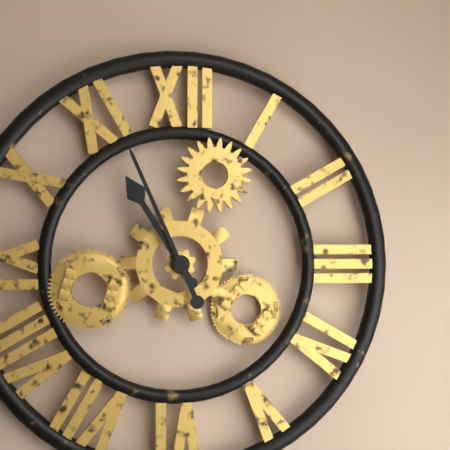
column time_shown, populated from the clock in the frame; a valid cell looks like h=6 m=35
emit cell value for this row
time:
h=10 m=56
